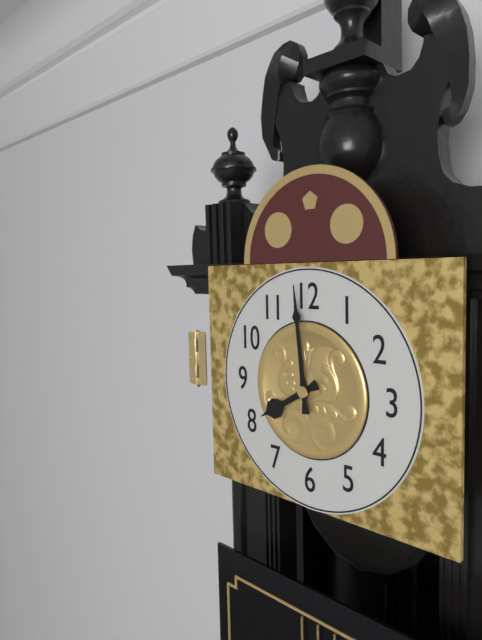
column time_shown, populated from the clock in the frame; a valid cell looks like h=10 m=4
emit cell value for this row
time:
h=7 m=59
